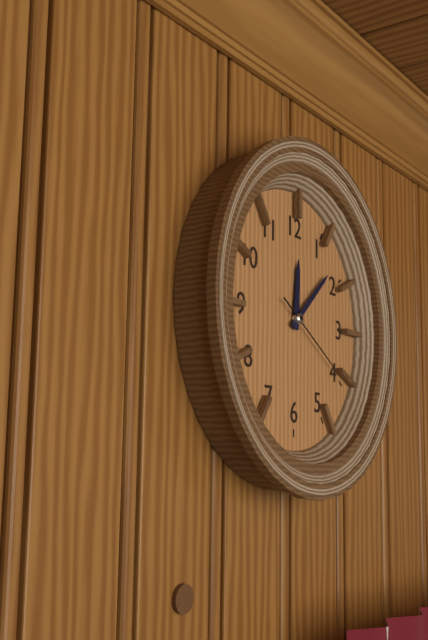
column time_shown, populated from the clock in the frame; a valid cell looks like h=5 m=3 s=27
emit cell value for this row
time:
h=12 m=8 s=20
